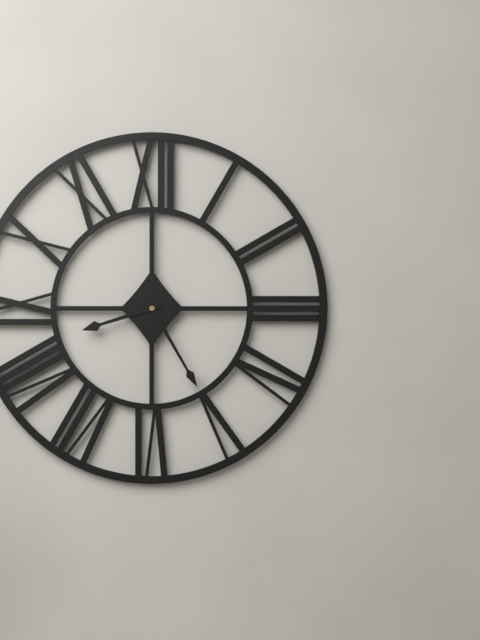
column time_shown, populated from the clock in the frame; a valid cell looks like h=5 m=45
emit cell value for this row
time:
h=8 m=25
